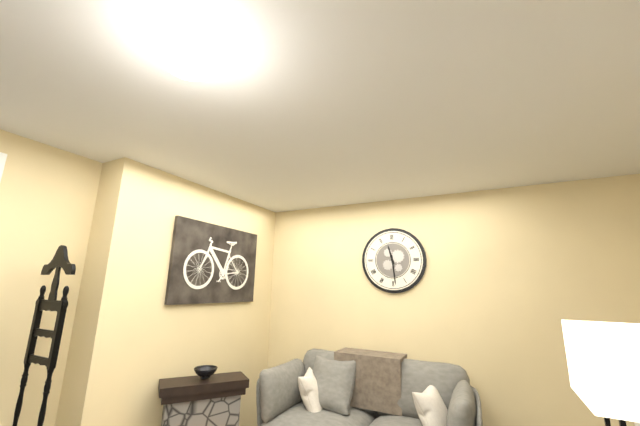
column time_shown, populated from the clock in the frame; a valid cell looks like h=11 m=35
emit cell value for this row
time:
h=11 m=29
